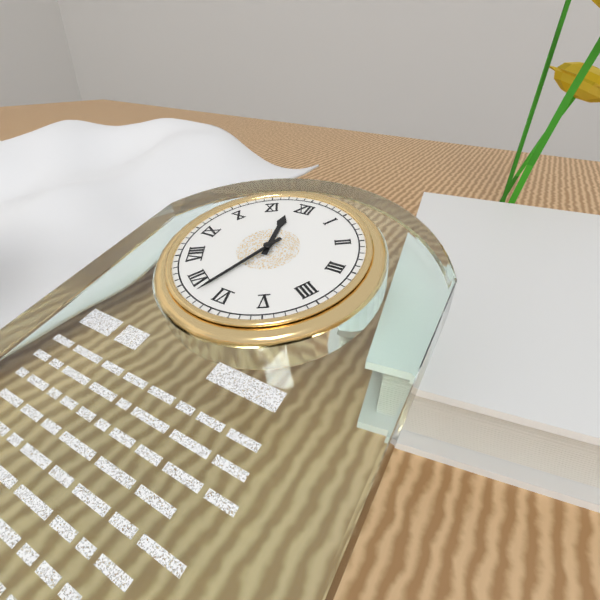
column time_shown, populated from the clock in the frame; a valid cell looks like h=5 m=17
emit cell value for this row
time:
h=11 m=33
